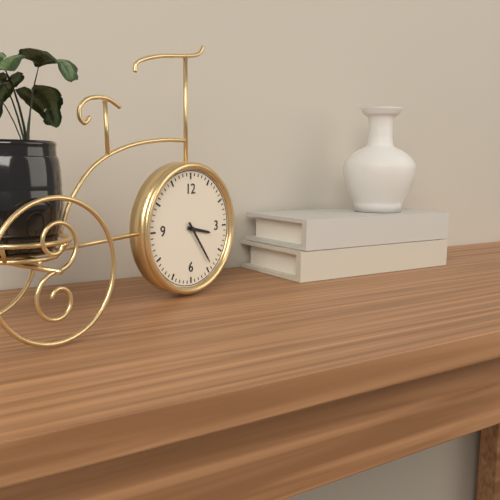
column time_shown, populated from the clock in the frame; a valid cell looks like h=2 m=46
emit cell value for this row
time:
h=3 m=24
